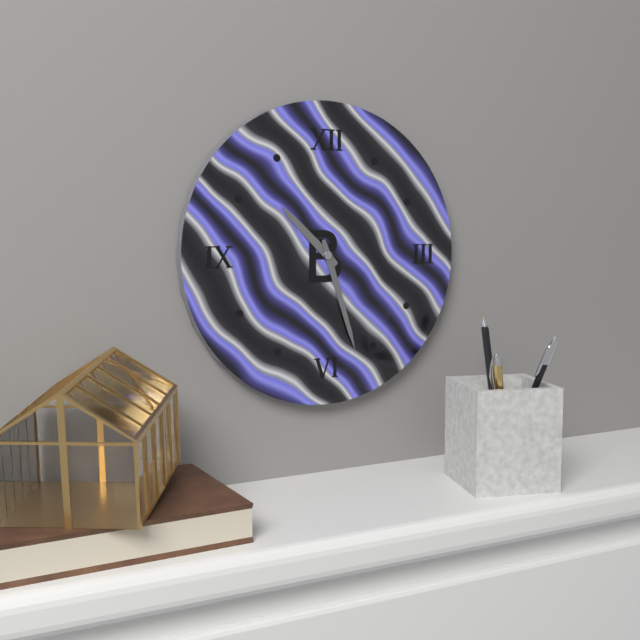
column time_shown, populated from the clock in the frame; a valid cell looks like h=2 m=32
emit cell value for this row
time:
h=10 m=27
